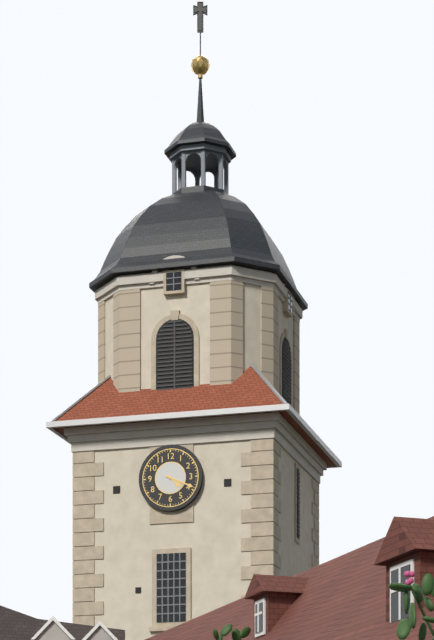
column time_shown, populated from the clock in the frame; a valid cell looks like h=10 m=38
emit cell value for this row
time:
h=4 m=19
